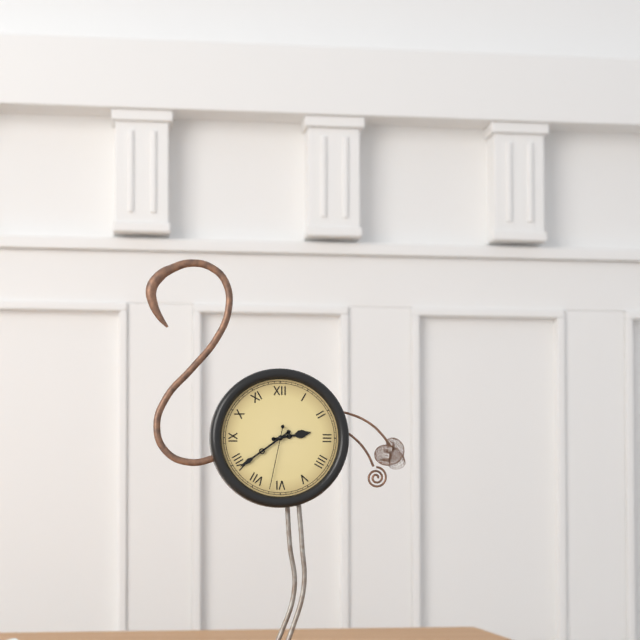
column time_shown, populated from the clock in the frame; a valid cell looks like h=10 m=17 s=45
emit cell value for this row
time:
h=2 m=39 s=32
